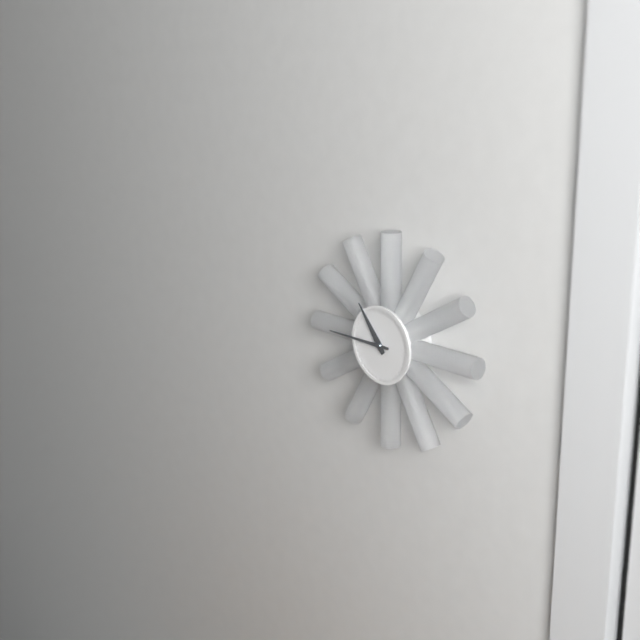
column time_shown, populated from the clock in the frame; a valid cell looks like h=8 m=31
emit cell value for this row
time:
h=10 m=45
